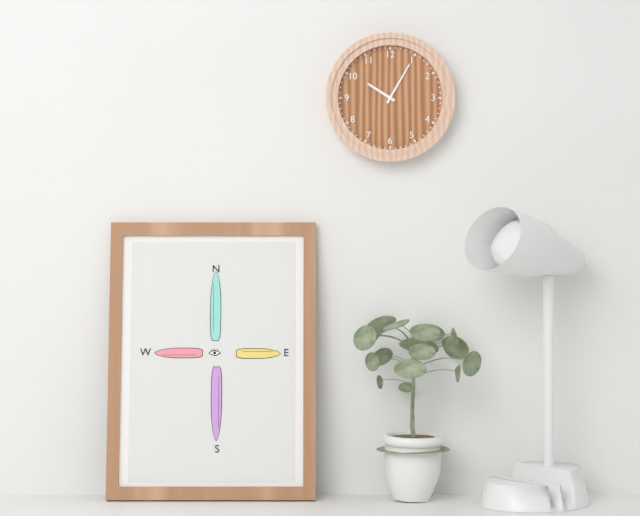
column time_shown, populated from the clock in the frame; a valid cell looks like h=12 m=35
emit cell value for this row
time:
h=10 m=5
